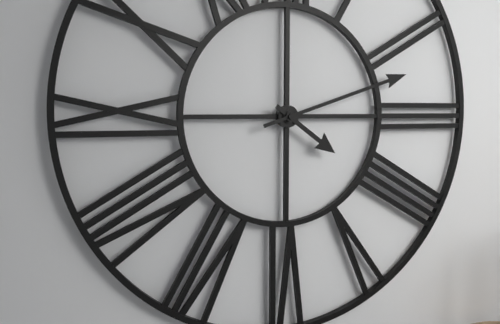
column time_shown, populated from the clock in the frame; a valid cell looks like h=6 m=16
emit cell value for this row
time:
h=4 m=12
